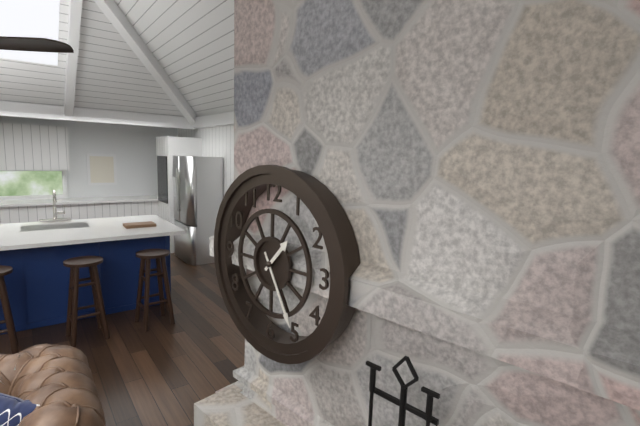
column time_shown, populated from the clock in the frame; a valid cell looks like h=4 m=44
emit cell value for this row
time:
h=1 m=25
